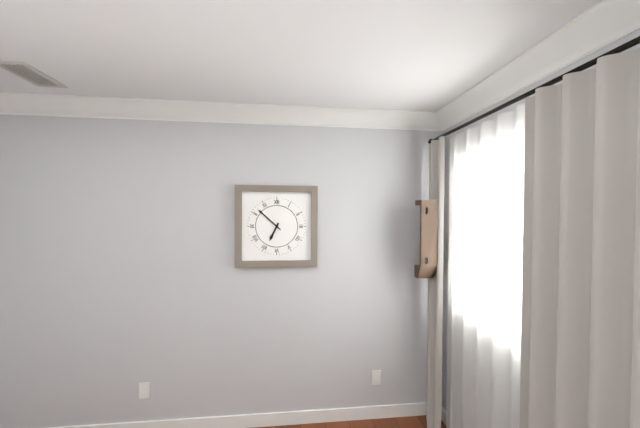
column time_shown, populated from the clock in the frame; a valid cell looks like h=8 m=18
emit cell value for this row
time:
h=6 m=52
